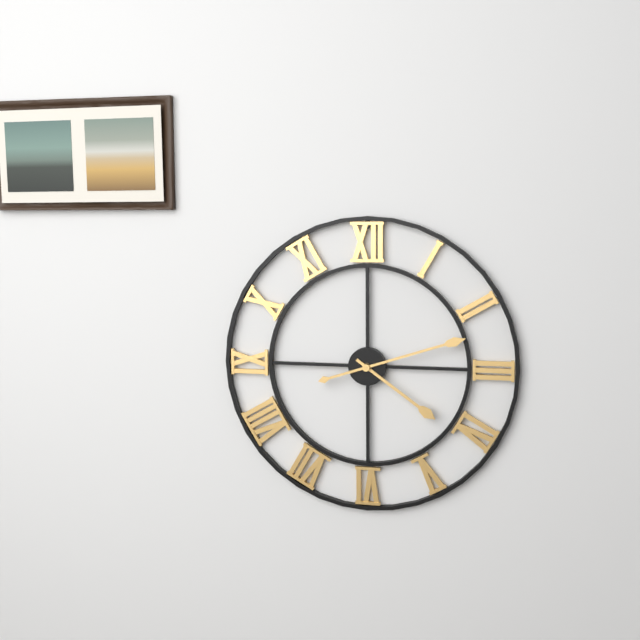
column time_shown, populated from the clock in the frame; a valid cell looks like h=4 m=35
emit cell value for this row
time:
h=4 m=12
